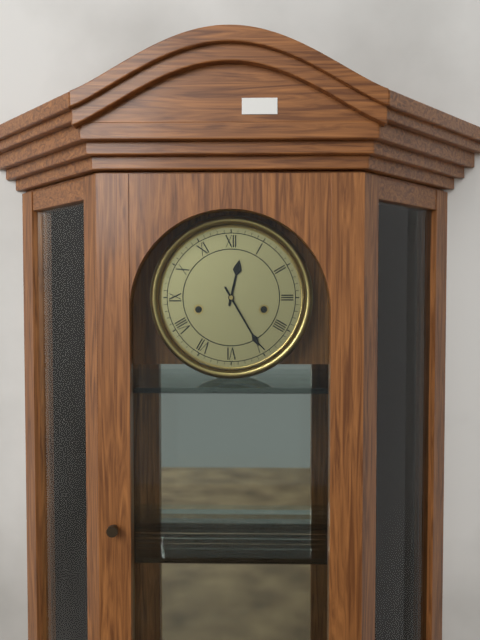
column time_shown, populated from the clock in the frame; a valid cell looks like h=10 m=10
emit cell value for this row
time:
h=12 m=25
